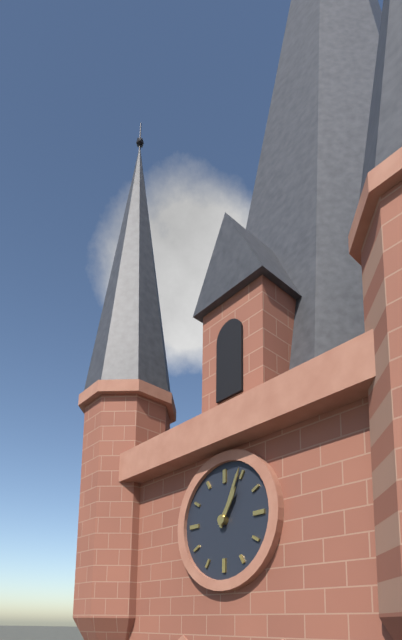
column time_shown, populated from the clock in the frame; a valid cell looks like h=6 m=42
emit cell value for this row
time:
h=1 m=4
